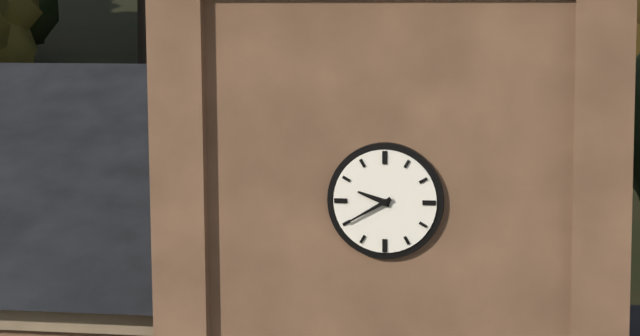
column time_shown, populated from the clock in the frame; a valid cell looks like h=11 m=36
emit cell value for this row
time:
h=9 m=40
